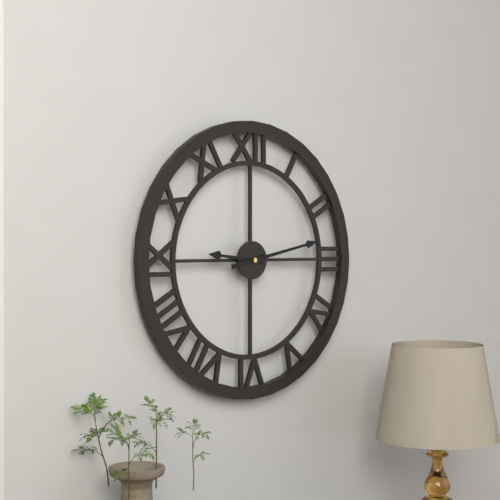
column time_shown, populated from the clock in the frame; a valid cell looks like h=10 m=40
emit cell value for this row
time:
h=9 m=13
